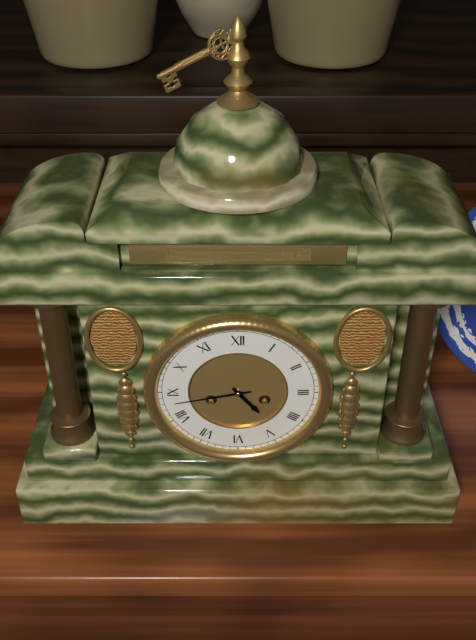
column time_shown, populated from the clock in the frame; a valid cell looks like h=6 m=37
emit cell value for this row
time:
h=4 m=43
